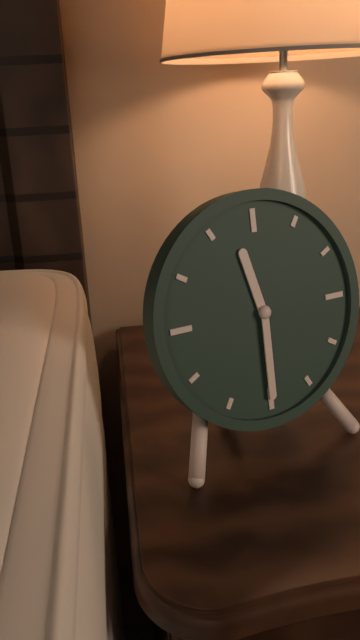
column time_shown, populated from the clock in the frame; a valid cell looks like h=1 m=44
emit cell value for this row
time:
h=11 m=30
